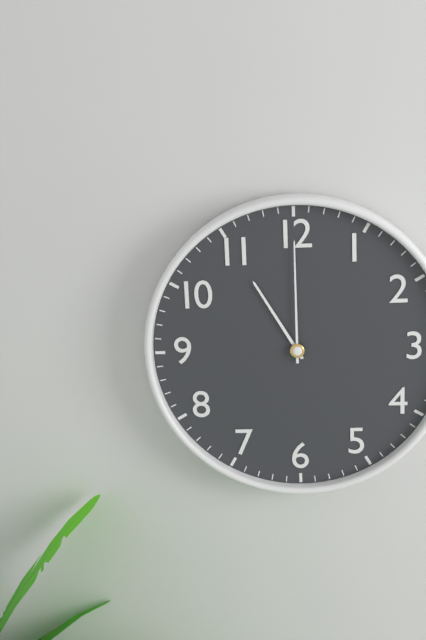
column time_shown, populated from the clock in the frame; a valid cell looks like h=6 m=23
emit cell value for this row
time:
h=11 m=0
